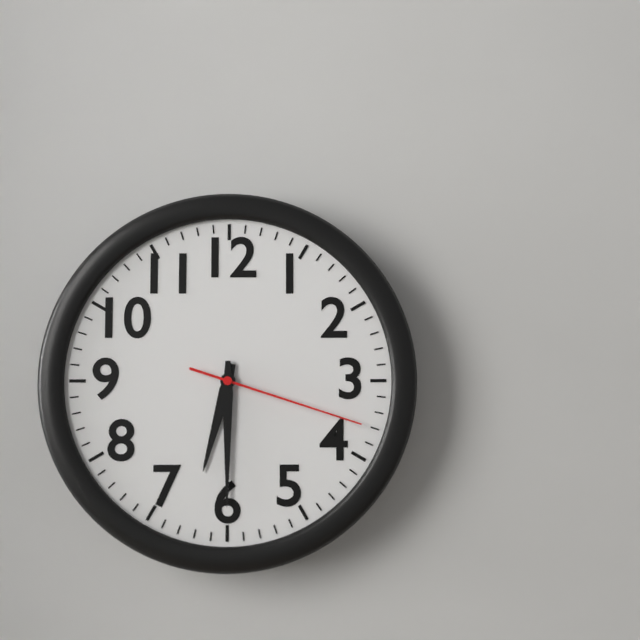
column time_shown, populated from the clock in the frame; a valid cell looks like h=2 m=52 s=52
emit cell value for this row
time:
h=6 m=30 s=18
